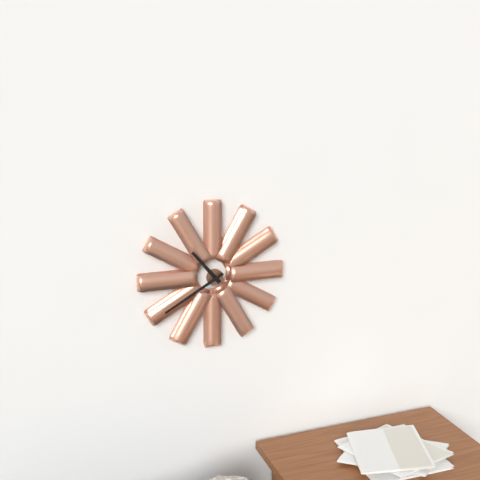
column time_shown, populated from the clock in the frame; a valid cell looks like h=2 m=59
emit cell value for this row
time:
h=10 m=40
